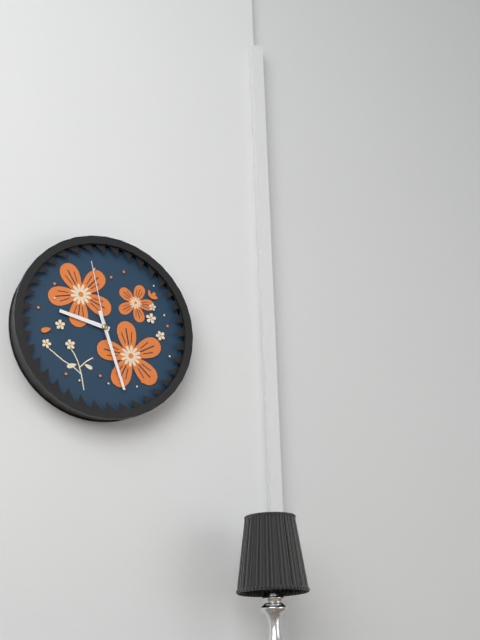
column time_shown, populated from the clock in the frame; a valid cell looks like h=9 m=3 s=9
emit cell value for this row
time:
h=9 m=27 s=58
